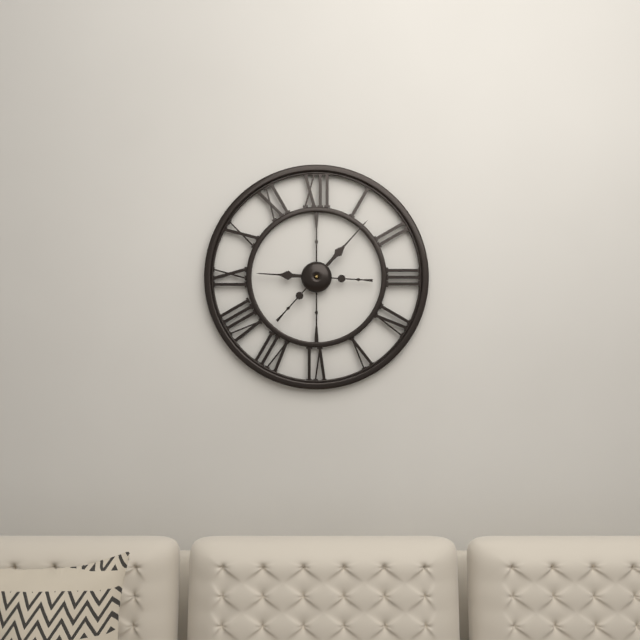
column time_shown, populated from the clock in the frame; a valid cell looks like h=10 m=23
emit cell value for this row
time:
h=9 m=7
